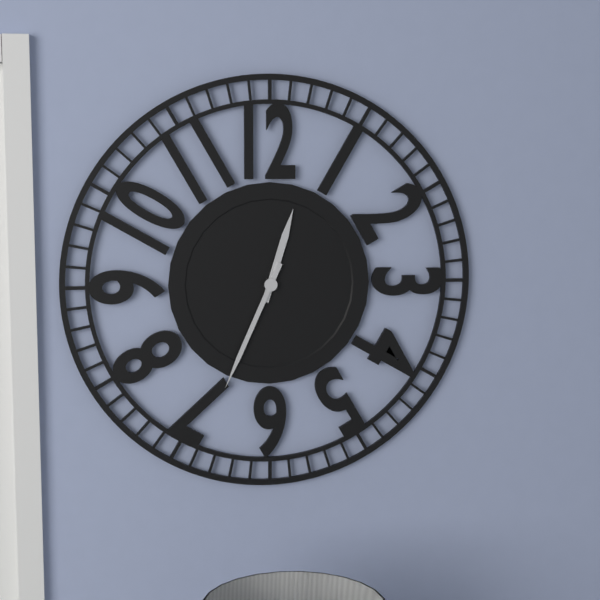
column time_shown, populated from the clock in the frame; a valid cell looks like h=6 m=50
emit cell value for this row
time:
h=12 m=34
